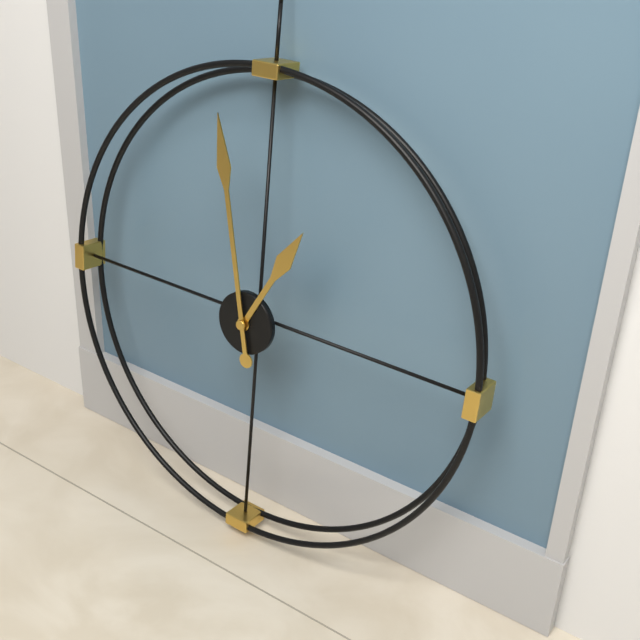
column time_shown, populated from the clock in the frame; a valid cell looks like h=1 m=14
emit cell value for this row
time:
h=12 m=58
